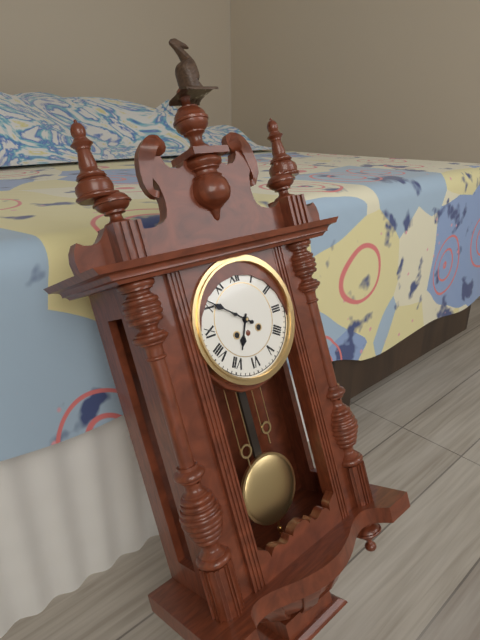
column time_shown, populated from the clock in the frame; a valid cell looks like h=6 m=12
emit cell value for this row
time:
h=6 m=51
